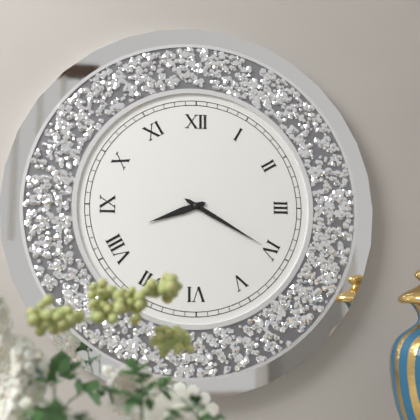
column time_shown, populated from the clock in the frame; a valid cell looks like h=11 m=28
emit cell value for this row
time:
h=8 m=20
